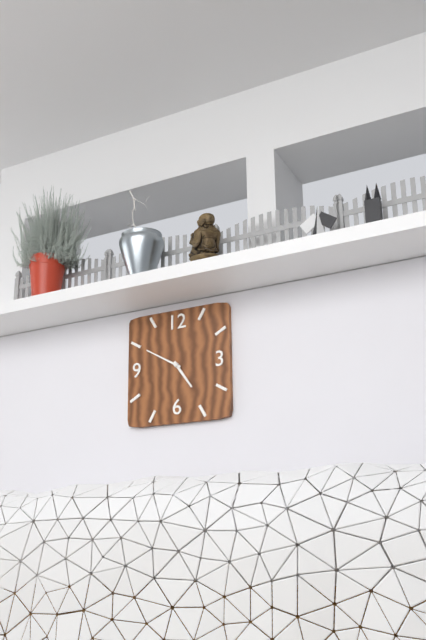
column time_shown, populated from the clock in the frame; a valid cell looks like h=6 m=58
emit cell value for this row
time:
h=4 m=50
